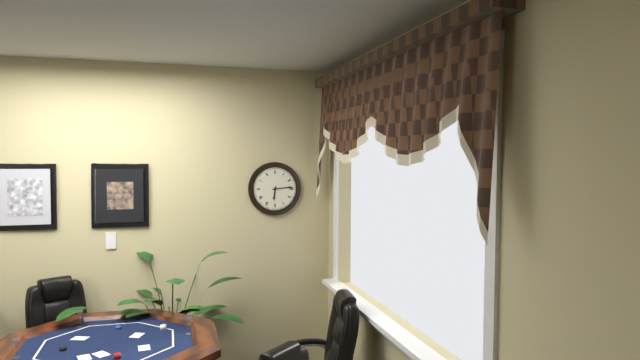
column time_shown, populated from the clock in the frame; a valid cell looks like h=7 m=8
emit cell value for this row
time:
h=6 m=14
